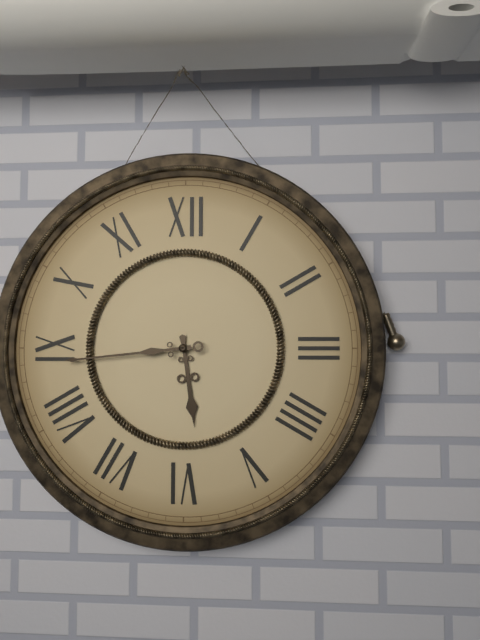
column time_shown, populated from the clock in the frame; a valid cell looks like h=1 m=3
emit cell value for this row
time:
h=5 m=44
